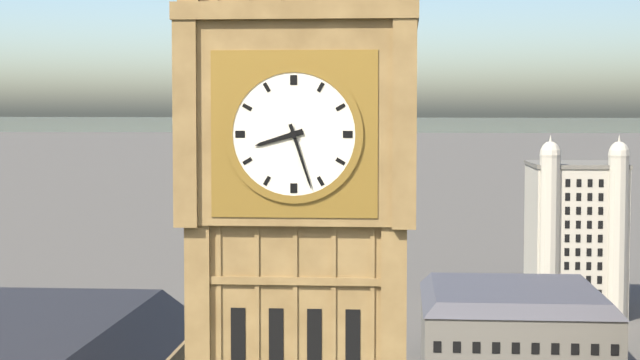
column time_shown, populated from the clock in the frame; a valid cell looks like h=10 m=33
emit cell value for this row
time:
h=8 m=27
